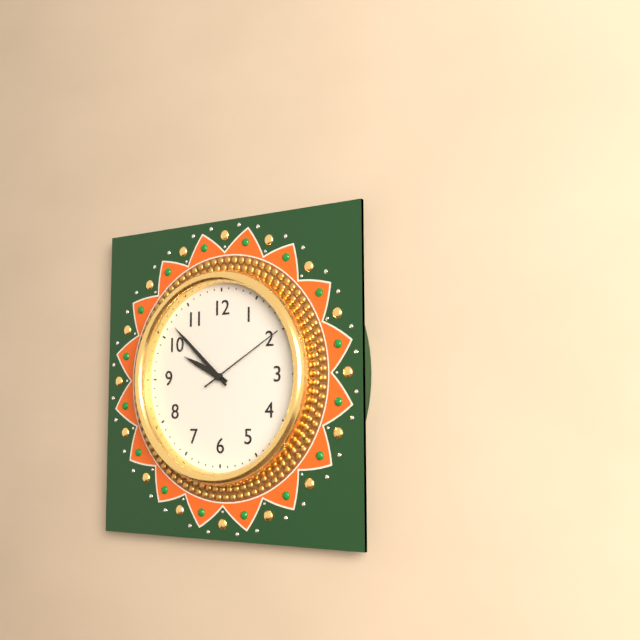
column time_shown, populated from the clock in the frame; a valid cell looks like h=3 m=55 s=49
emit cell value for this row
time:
h=9 m=52 s=10
